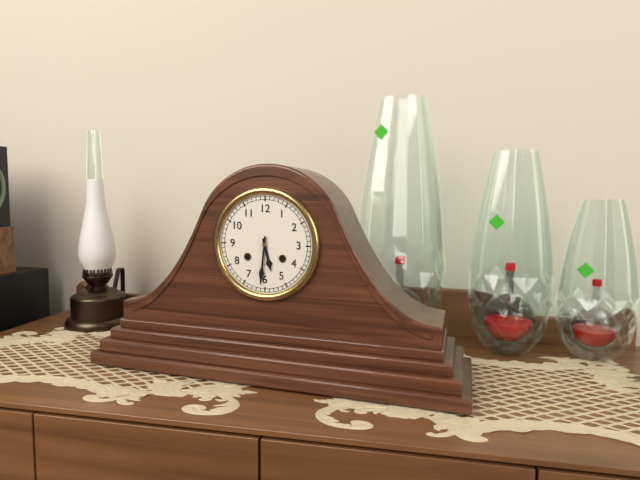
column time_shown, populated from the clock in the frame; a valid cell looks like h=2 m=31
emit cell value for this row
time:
h=5 m=31
